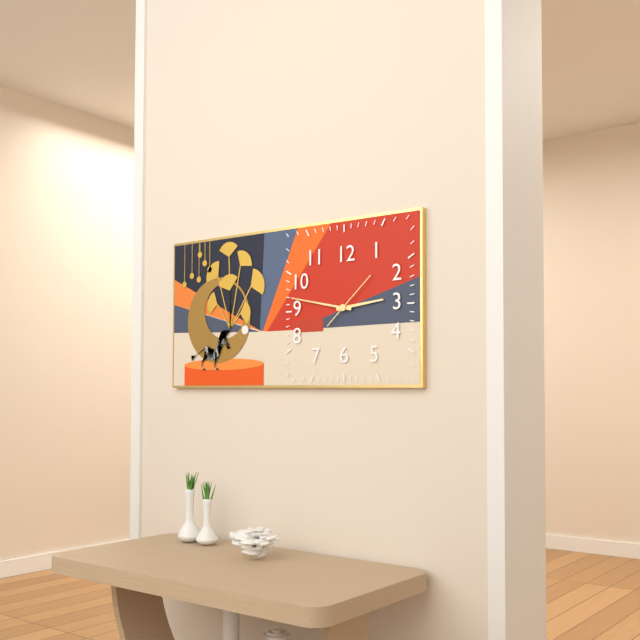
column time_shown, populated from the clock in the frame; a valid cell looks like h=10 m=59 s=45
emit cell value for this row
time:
h=2 m=47 s=8
